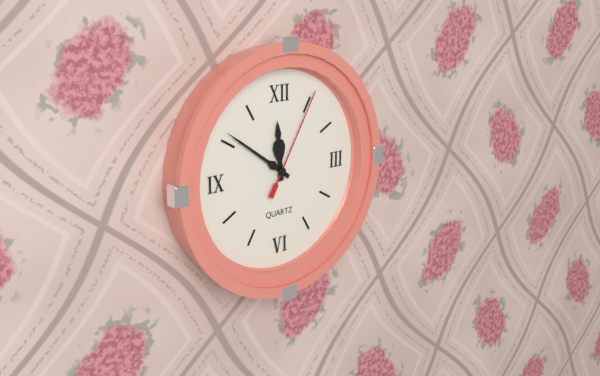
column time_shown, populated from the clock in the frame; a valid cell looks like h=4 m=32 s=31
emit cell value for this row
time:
h=11 m=51 s=5
